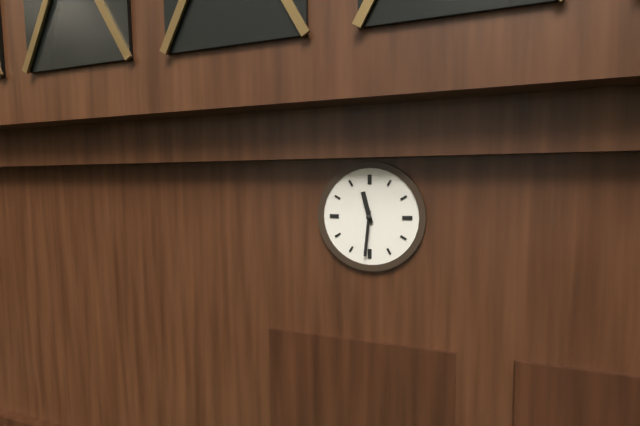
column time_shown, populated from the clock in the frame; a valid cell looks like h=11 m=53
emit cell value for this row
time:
h=11 m=31
